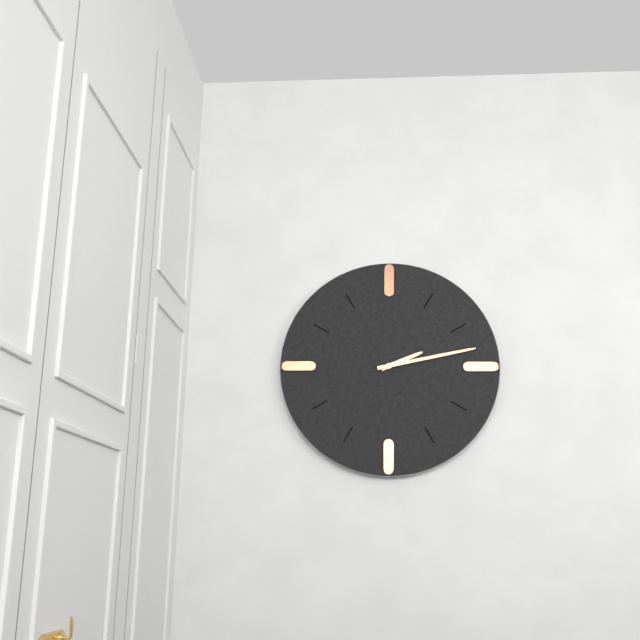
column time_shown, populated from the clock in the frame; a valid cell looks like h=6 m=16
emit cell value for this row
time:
h=2 m=13
